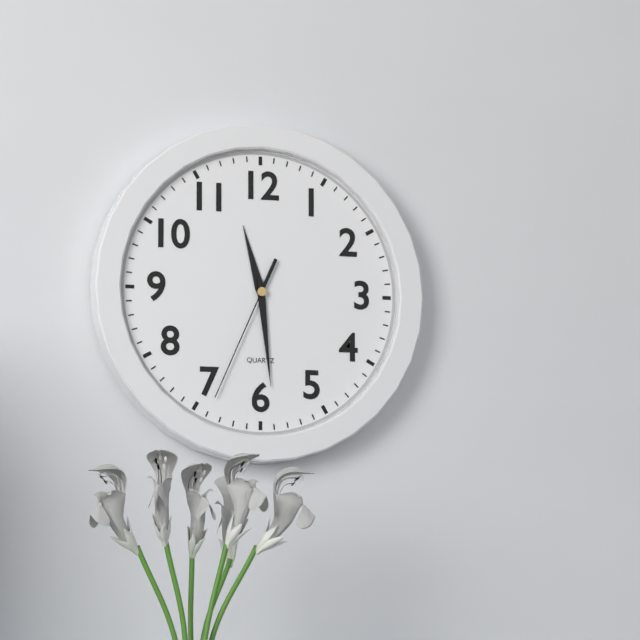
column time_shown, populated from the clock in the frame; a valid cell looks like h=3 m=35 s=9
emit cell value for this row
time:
h=11 m=29 s=34
